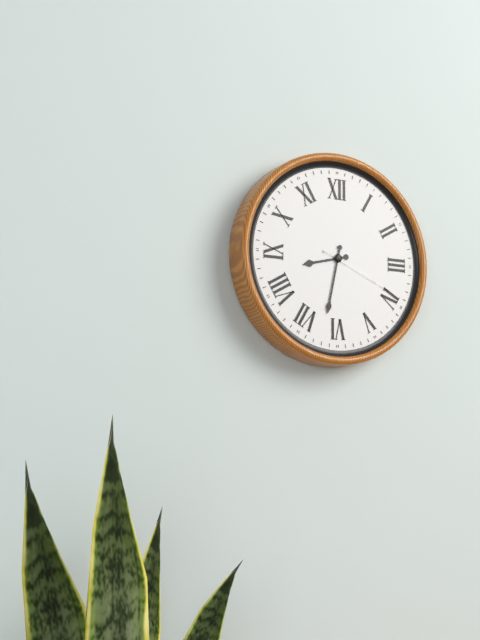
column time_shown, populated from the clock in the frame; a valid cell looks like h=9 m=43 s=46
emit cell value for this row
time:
h=8 m=32 s=19
